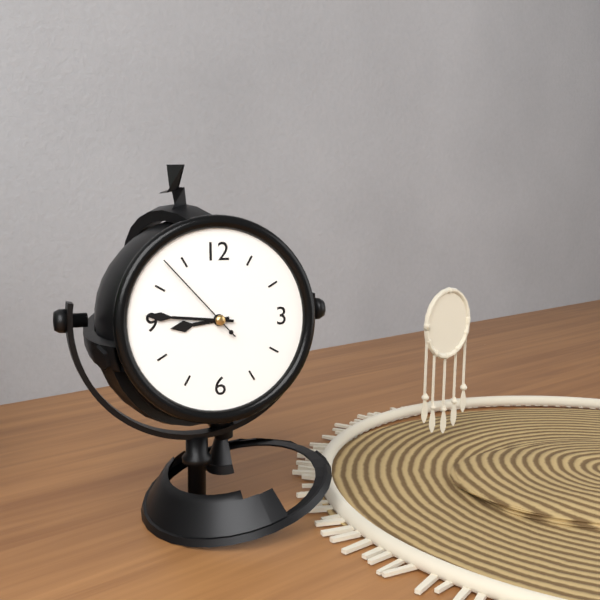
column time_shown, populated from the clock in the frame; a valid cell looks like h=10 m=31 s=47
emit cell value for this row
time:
h=8 m=46 s=53
